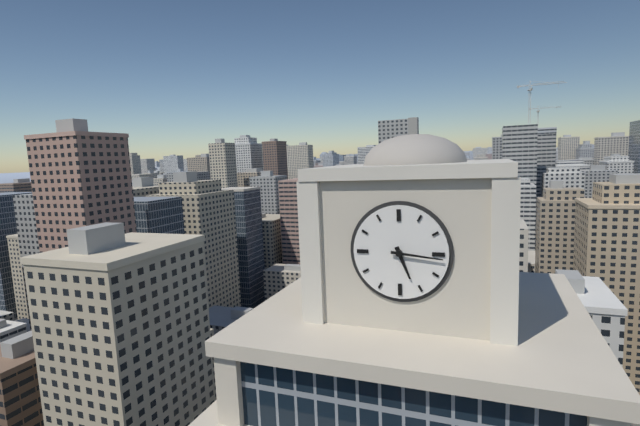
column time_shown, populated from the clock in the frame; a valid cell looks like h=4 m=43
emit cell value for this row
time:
h=5 m=16
